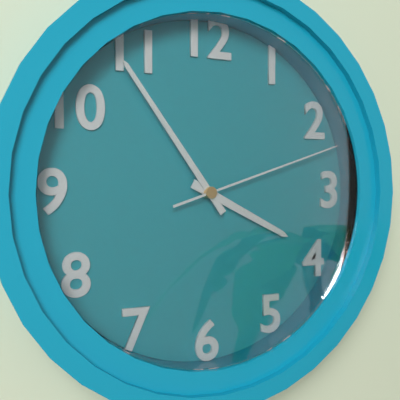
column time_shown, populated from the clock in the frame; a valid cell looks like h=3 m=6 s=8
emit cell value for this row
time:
h=3 m=54 s=12
